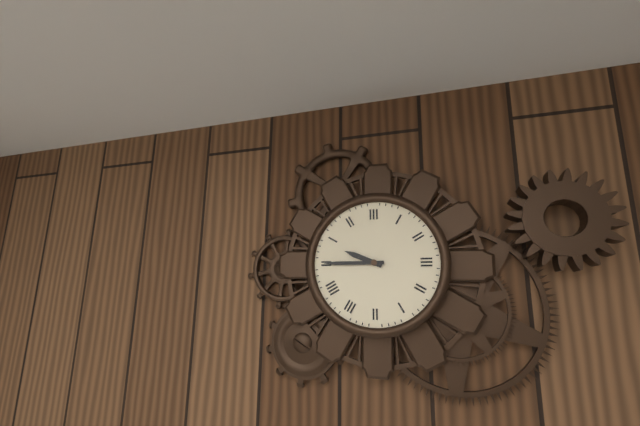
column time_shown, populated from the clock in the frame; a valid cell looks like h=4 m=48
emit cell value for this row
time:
h=9 m=45
